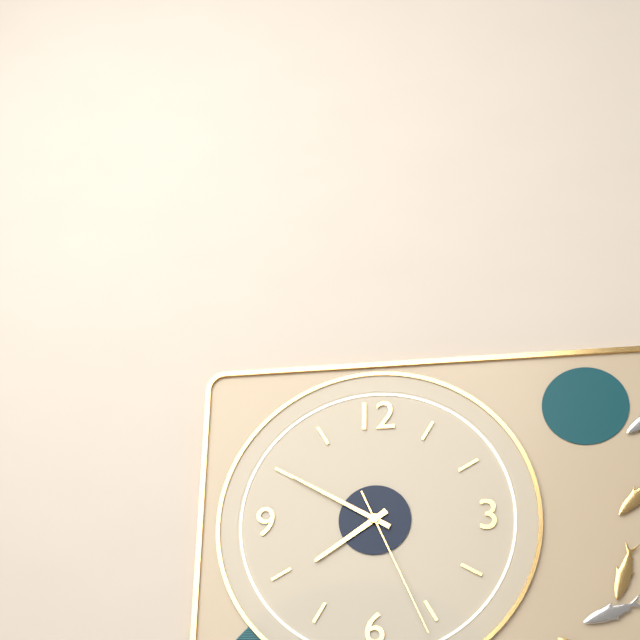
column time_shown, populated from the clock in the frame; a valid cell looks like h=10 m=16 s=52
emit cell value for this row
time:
h=7 m=50 s=26
